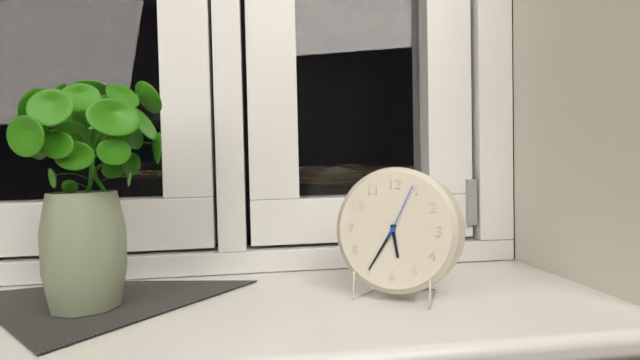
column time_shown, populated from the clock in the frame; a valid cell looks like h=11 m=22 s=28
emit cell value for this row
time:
h=5 m=35 s=4
